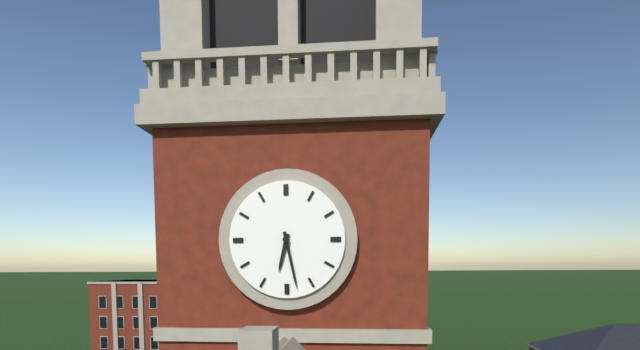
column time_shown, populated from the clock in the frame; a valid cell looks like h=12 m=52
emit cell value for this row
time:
h=6 m=28
